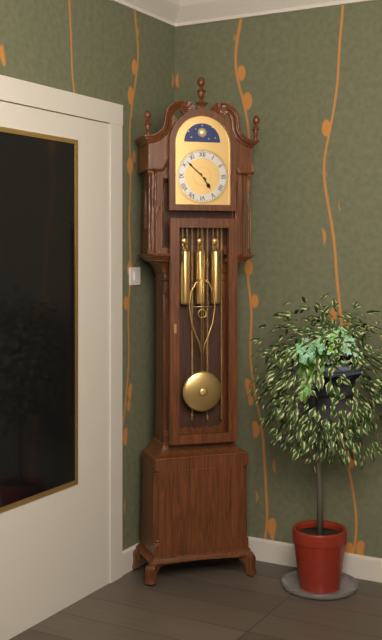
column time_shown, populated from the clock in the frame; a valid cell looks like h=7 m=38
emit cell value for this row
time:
h=4 m=52
